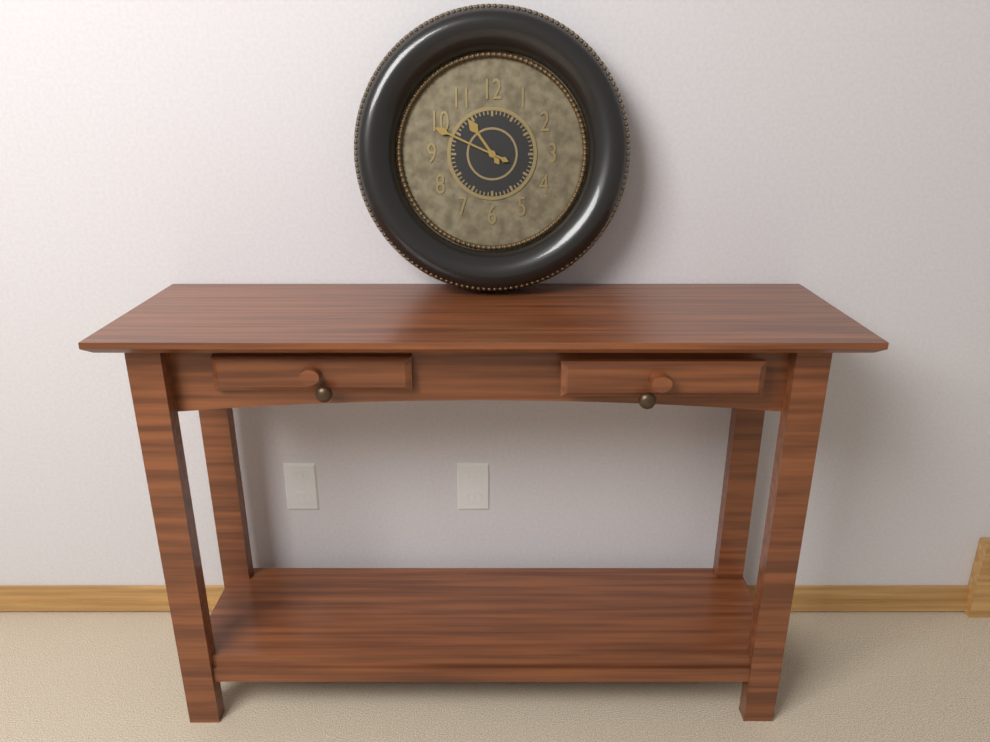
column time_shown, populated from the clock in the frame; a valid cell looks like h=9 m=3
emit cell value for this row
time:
h=10 m=49
